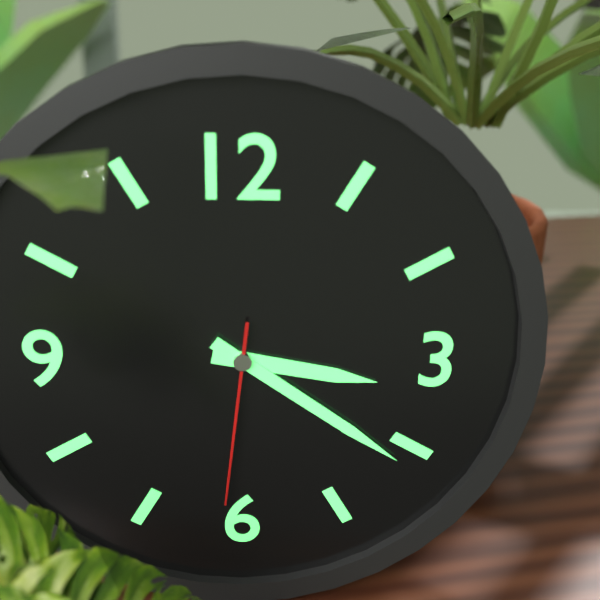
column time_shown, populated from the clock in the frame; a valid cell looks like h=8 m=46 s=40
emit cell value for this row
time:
h=3 m=21 s=31
